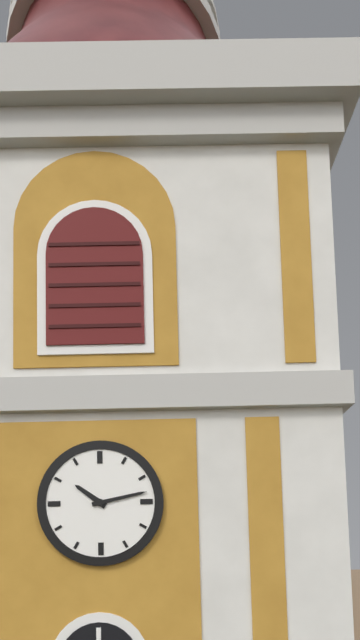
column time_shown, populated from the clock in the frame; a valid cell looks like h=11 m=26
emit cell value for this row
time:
h=10 m=13
